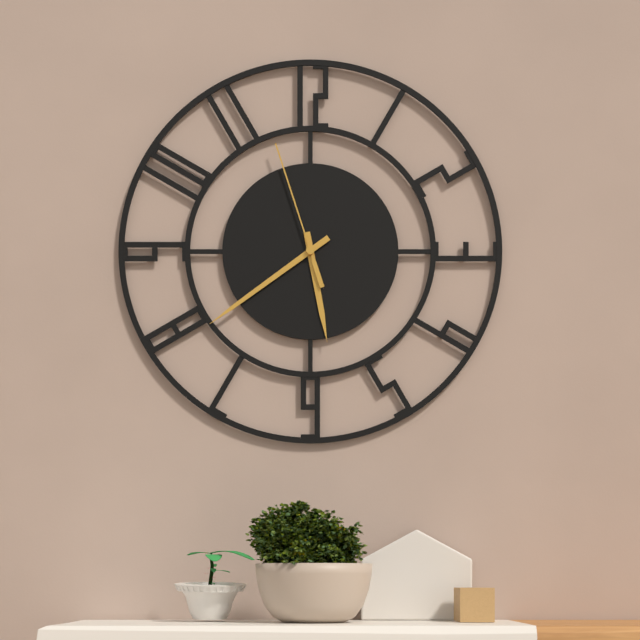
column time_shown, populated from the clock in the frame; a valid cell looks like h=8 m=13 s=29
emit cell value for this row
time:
h=5 m=39 s=57
